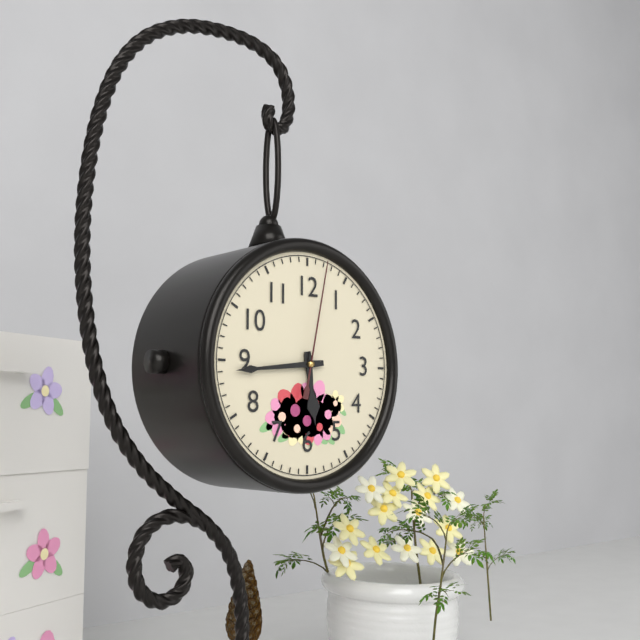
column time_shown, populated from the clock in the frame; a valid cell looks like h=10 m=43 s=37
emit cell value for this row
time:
h=5 m=44 s=2
